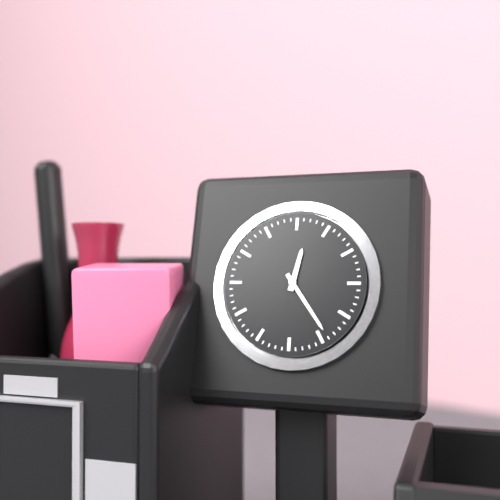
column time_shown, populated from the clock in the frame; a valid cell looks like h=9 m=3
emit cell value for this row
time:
h=12 m=24
